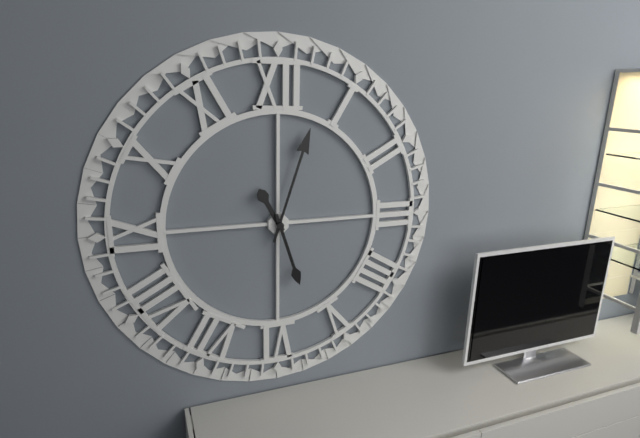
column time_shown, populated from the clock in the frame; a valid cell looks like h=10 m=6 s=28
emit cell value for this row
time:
h=11 m=3 s=27
